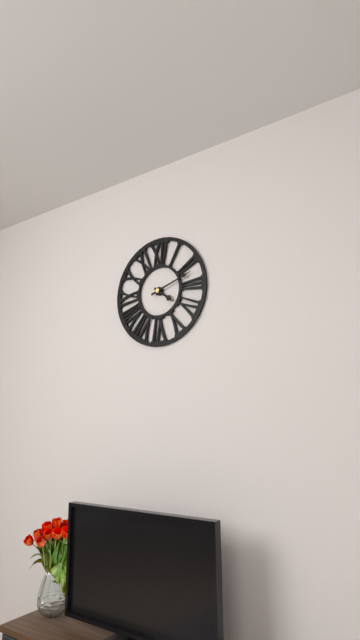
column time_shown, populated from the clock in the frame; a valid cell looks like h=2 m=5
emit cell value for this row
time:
h=4 m=12
